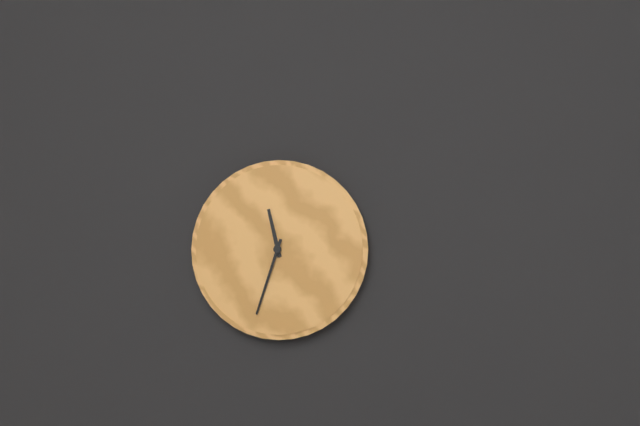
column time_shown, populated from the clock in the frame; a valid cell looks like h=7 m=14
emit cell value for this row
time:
h=11 m=33
